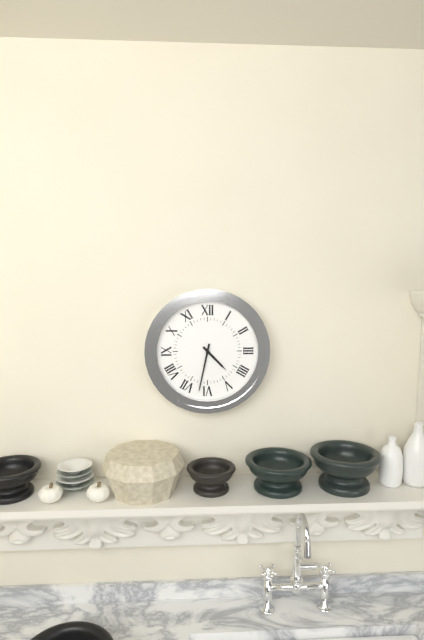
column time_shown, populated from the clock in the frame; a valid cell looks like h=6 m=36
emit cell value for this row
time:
h=4 m=32
